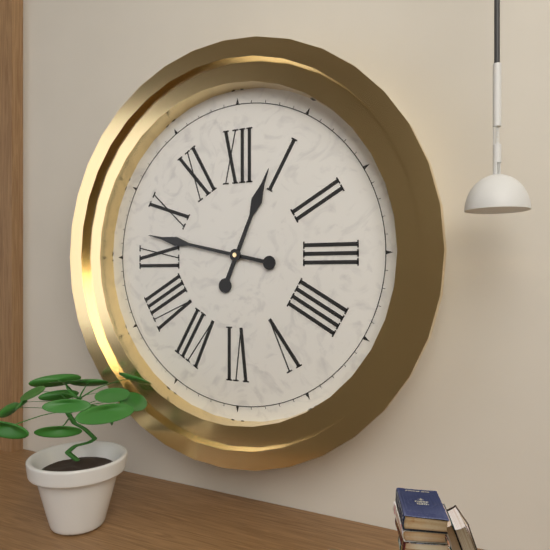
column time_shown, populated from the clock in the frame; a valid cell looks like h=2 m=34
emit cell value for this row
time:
h=12 m=47
